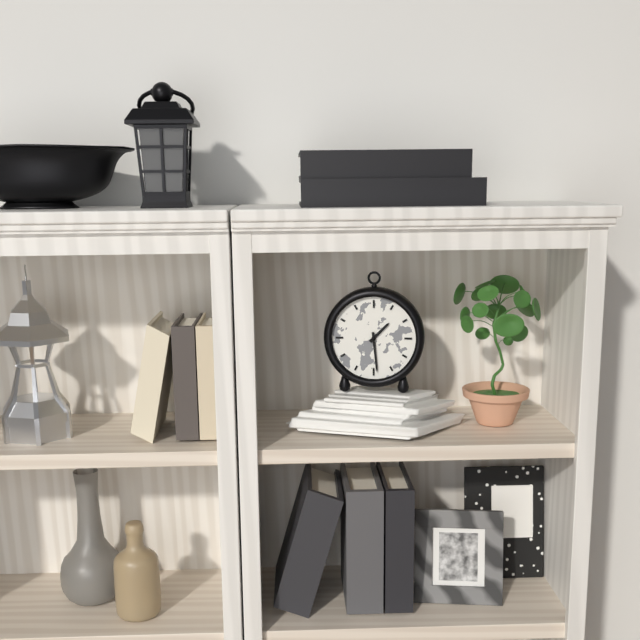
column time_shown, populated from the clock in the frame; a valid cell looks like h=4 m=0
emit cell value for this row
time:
h=1 m=29
